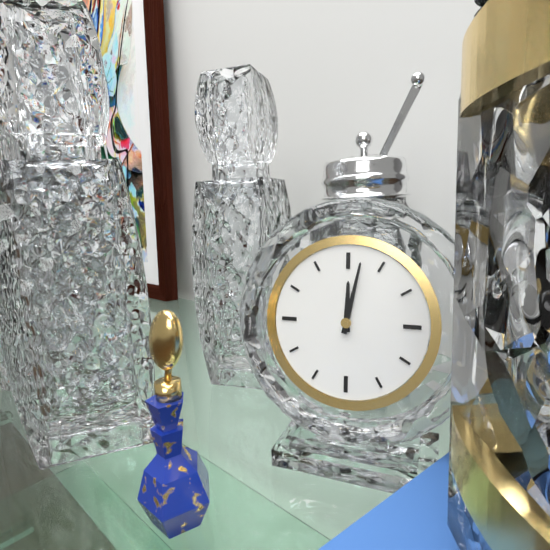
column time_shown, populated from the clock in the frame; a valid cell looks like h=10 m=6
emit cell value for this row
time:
h=12 m=2
